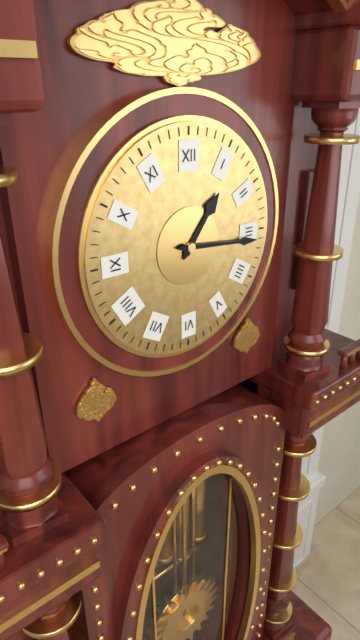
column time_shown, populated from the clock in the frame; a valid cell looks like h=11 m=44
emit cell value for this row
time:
h=1 m=16
